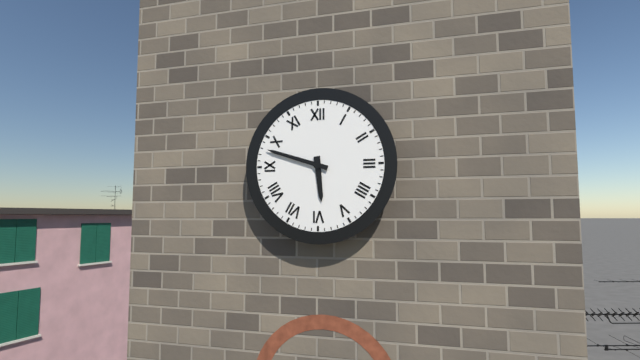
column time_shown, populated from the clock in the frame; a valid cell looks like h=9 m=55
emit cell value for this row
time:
h=5 m=48
